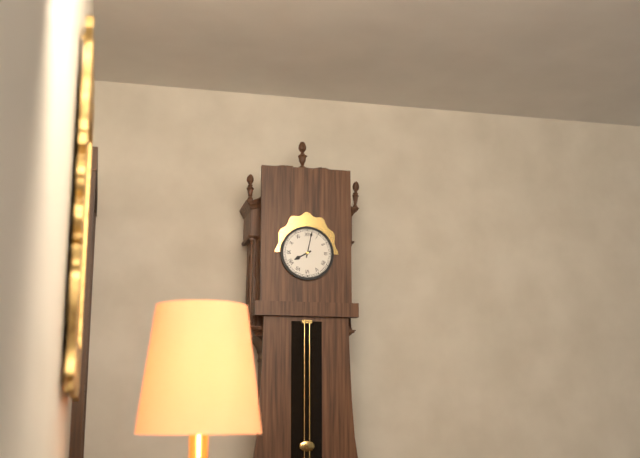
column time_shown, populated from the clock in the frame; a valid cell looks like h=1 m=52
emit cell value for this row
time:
h=8 m=2
